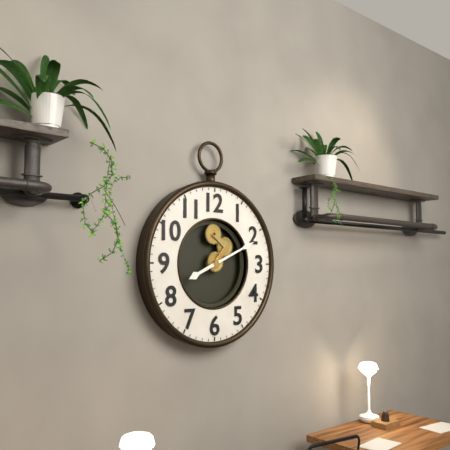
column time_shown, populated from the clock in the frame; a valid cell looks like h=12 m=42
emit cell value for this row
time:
h=8 m=11
